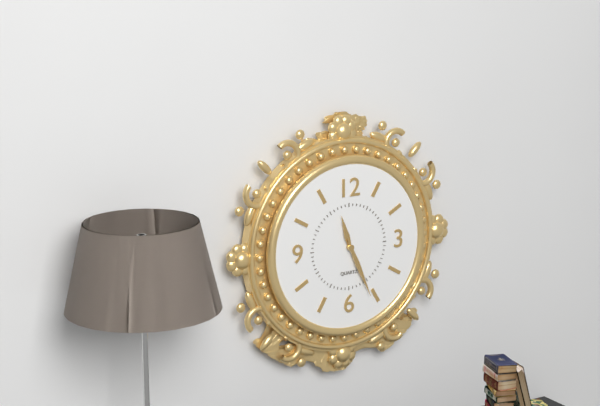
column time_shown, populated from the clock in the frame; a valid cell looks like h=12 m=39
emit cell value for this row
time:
h=11 m=26
